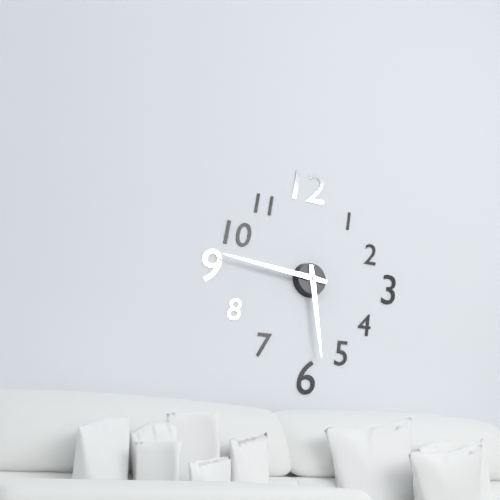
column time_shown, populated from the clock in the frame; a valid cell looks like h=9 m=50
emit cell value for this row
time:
h=5 m=46
